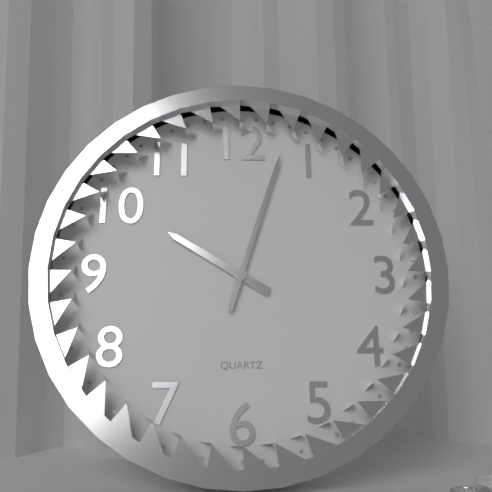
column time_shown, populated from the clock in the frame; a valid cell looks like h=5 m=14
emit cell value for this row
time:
h=10 m=3
